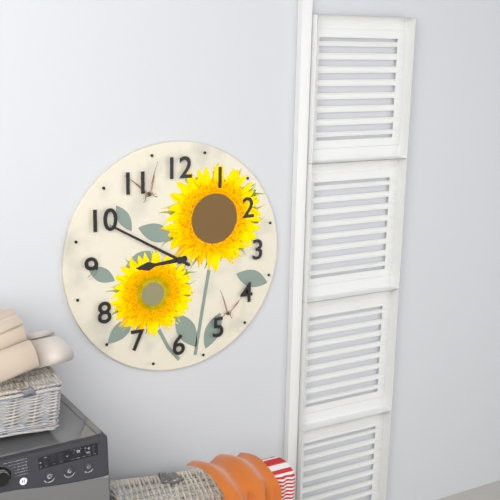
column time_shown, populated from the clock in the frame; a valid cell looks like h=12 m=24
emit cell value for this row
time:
h=8 m=50
